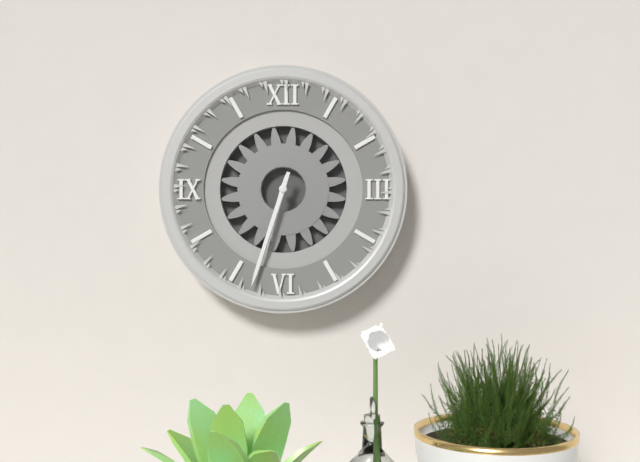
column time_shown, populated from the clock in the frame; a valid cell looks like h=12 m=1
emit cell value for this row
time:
h=6 m=33
